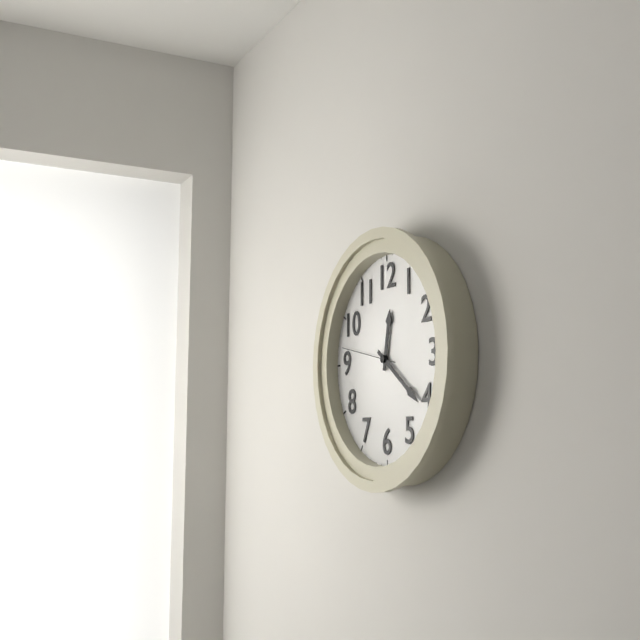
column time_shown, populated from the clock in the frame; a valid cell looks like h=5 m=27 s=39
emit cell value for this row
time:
h=12 m=21 s=47
